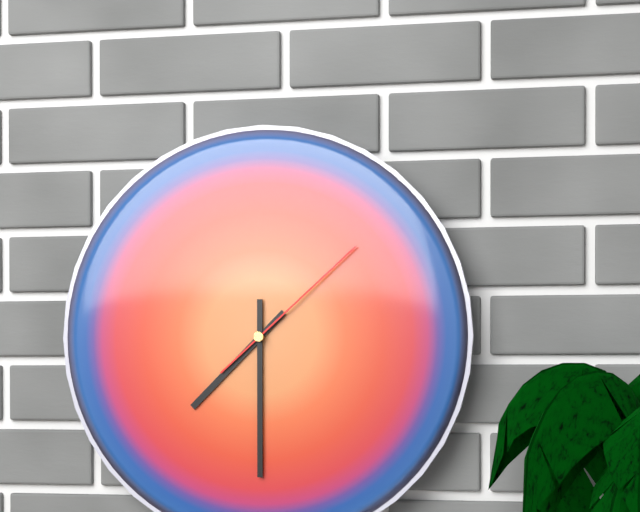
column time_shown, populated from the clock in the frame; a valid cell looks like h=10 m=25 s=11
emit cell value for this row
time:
h=7 m=30 s=8
